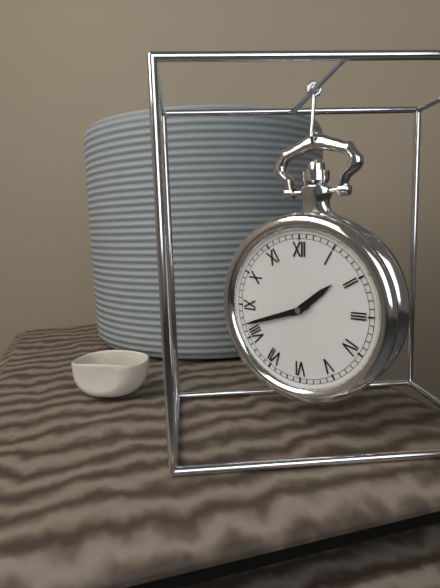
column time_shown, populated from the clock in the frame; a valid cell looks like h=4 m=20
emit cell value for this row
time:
h=1 m=42
